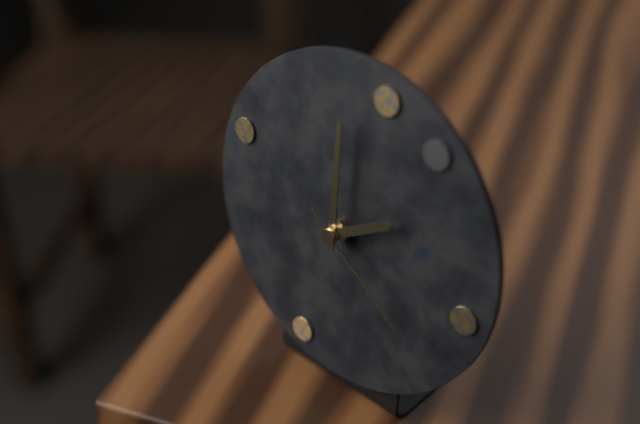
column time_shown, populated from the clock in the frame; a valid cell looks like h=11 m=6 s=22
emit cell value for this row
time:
h=2 m=0 s=21
